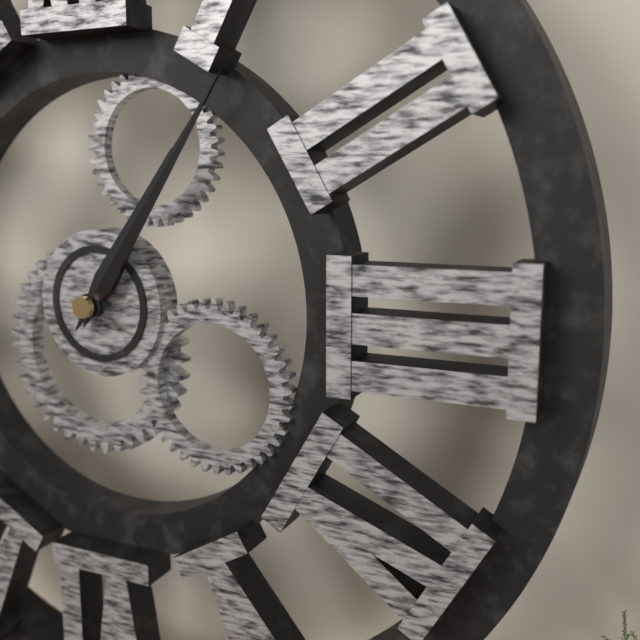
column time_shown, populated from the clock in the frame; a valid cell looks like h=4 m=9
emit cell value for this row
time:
h=1 m=6
